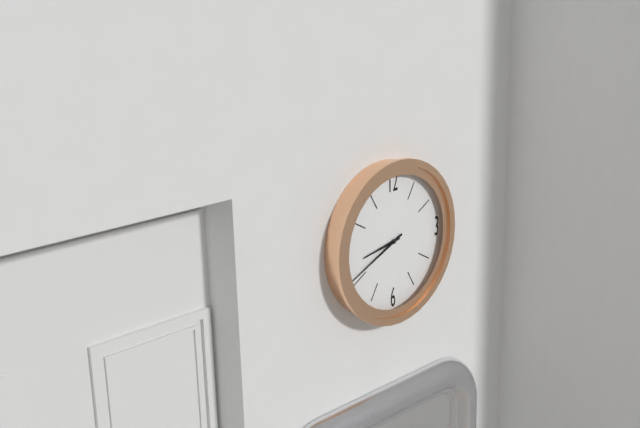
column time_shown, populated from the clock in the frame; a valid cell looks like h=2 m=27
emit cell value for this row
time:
h=8 m=41
